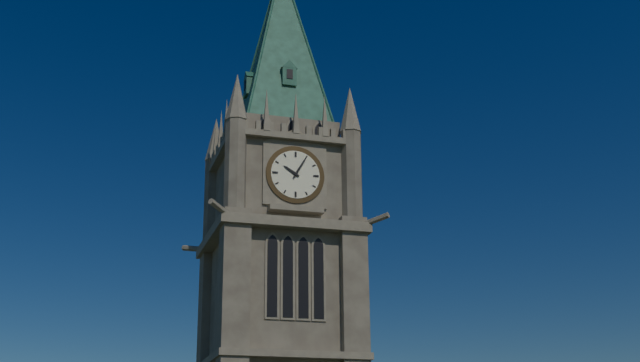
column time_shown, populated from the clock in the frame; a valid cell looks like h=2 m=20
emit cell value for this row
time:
h=10 m=5
